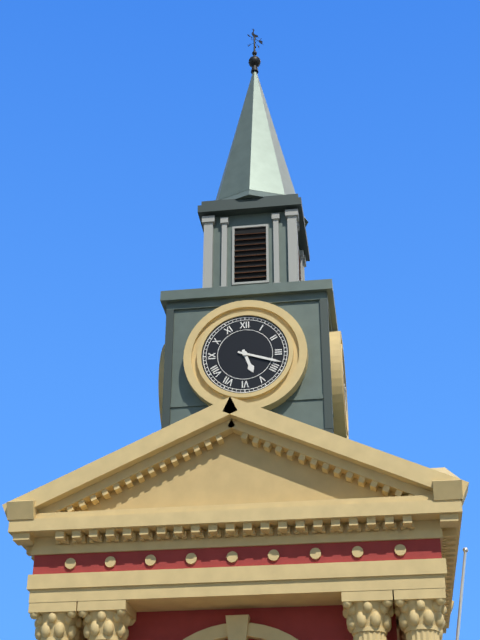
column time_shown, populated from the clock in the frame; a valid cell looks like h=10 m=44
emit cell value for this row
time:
h=5 m=18
